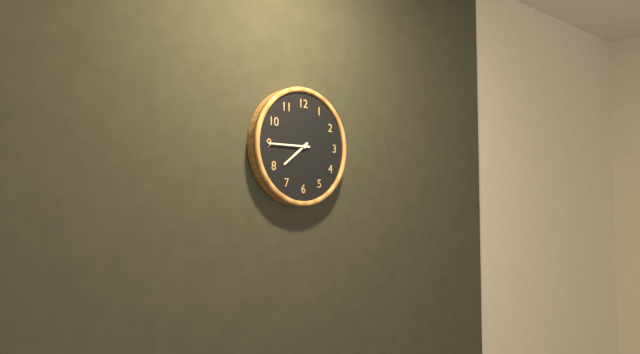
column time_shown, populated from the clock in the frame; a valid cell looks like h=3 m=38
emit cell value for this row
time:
h=7 m=45
